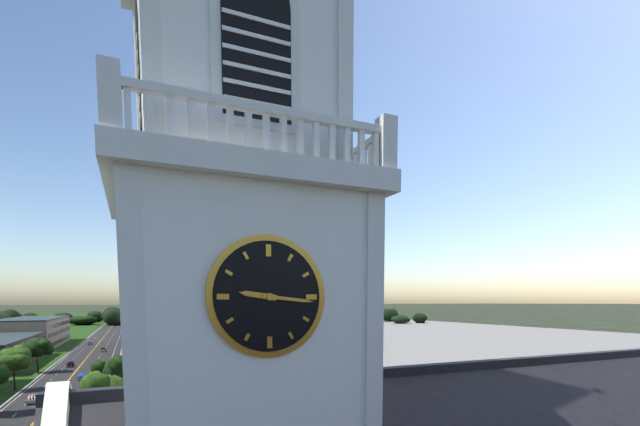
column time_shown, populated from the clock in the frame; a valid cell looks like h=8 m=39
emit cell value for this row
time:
h=9 m=16
